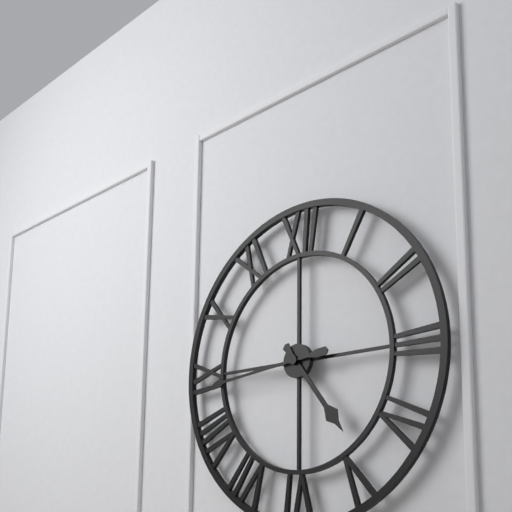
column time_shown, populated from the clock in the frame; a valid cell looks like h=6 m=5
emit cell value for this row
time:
h=4 m=44
